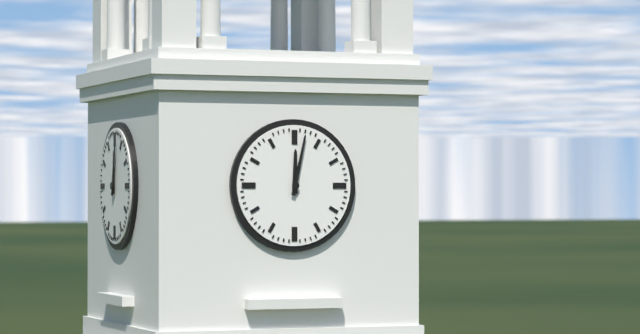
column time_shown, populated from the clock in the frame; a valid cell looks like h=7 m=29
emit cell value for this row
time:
h=12 m=2
